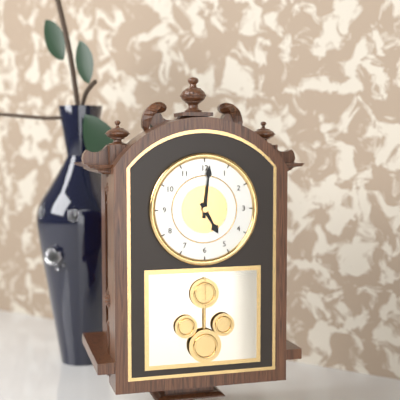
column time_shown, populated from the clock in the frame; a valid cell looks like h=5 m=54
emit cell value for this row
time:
h=5 m=1
